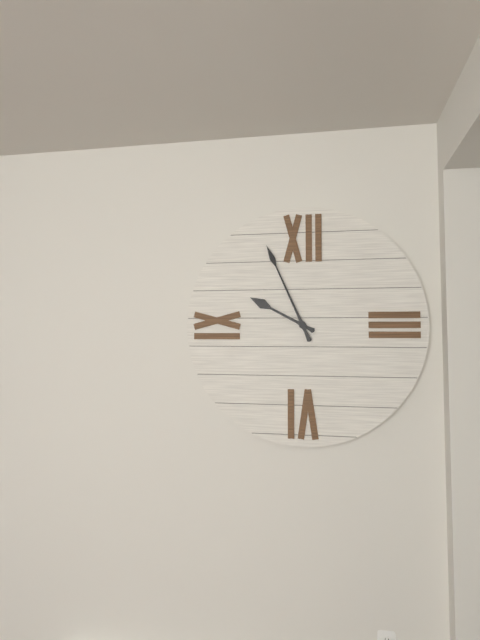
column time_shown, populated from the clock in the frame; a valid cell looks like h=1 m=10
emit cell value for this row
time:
h=9 m=56
